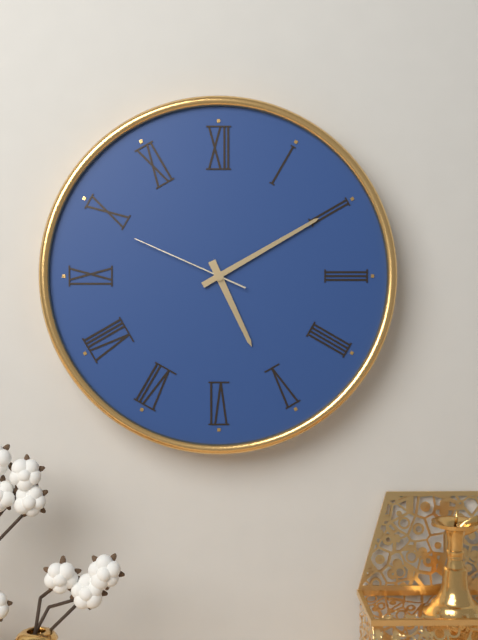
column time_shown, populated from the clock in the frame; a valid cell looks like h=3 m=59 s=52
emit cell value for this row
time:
h=5 m=10 s=49
